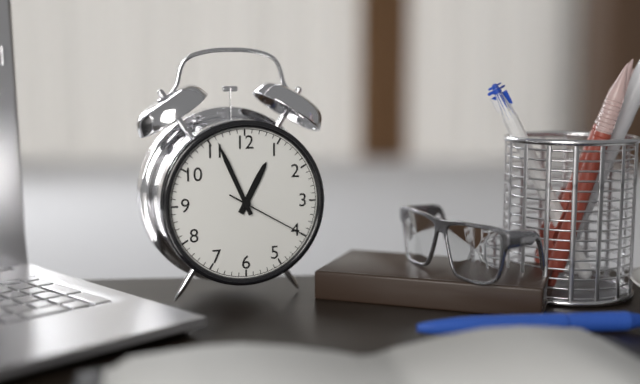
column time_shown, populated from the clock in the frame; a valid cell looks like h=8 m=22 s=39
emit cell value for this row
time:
h=12 m=56 s=20
